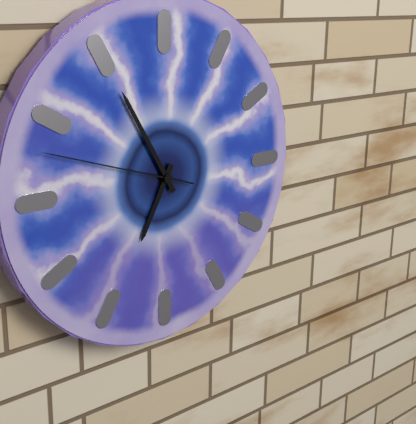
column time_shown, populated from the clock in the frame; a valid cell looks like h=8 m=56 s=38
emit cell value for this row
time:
h=6 m=55 s=48
